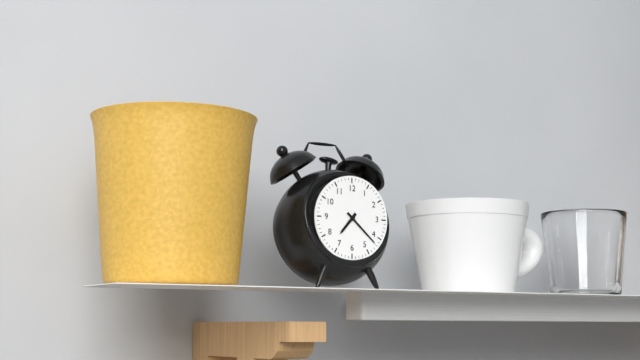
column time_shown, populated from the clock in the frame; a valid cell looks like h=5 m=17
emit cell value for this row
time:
h=7 m=22
